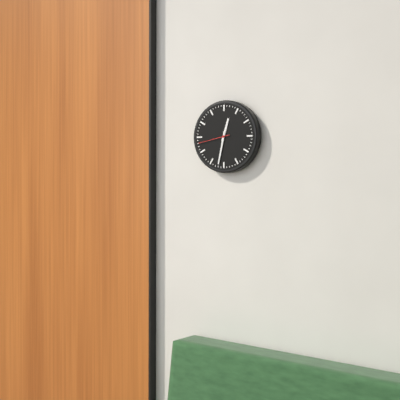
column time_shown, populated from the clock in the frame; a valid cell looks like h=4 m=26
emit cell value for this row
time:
h=12 m=32
